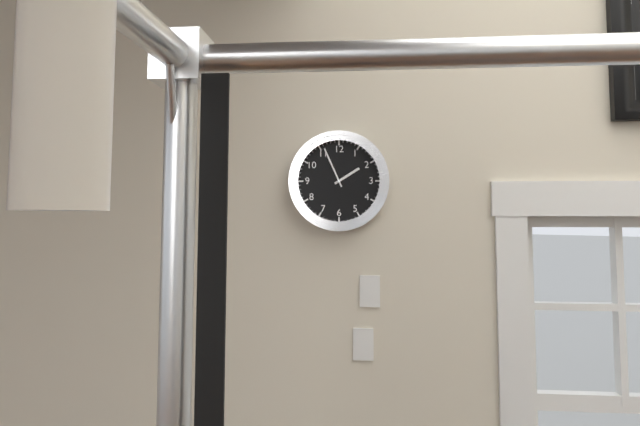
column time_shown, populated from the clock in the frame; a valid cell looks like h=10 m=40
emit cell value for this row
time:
h=1 m=56
